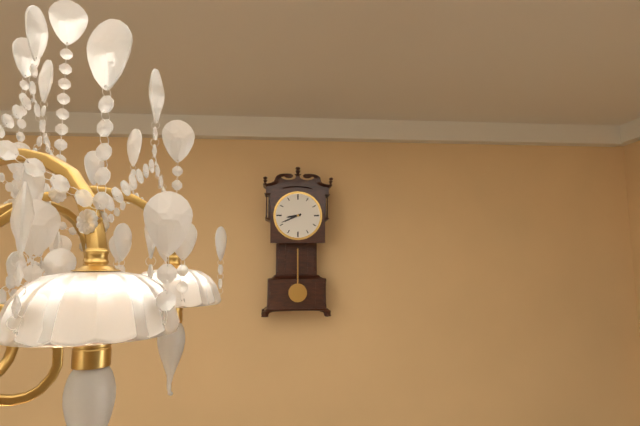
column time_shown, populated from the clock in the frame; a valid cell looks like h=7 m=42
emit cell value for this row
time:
h=8 m=41
